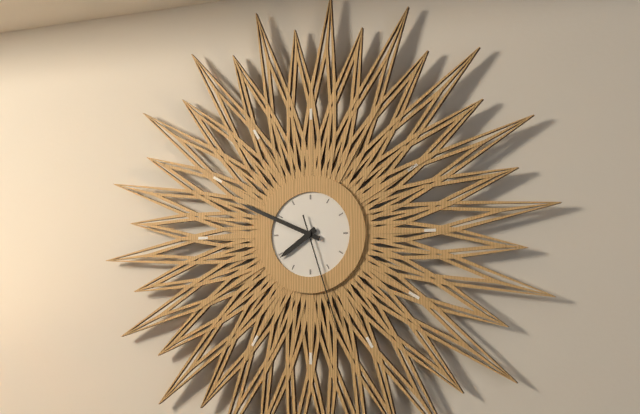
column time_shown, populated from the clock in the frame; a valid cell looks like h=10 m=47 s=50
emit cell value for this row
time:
h=7 m=49 s=27
